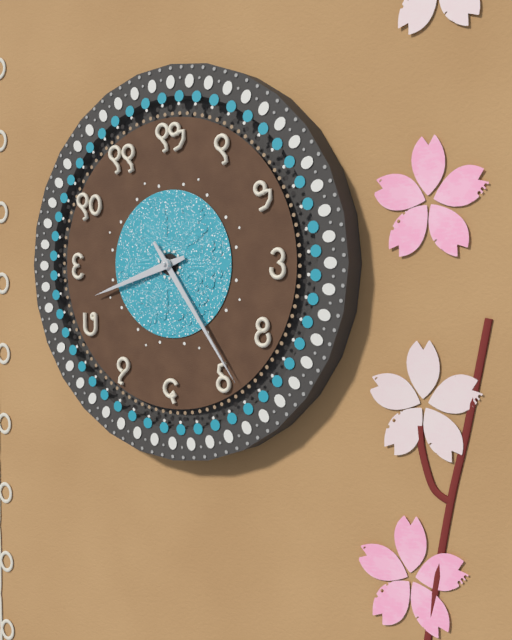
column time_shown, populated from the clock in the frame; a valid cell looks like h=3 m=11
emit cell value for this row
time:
h=8 m=24
